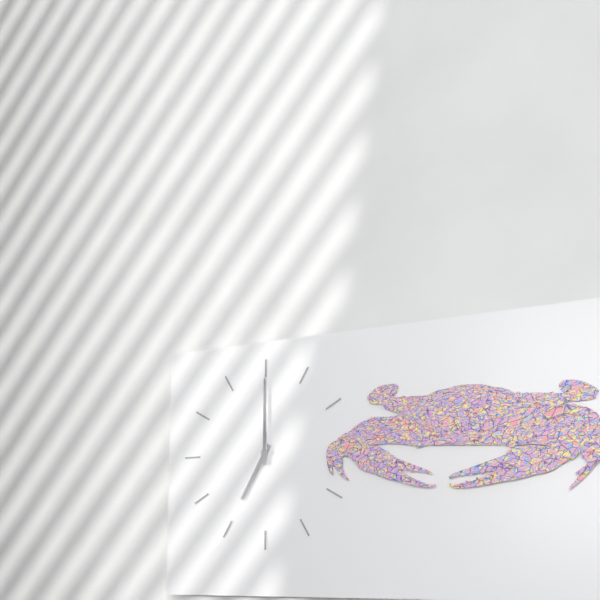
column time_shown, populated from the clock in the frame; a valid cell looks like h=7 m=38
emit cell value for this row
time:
h=7 m=0
